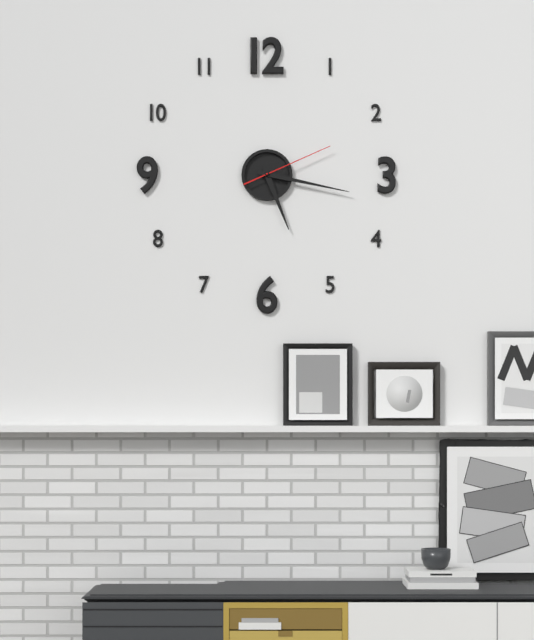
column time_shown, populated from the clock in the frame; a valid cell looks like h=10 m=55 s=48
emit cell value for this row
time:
h=5 m=17 s=11
